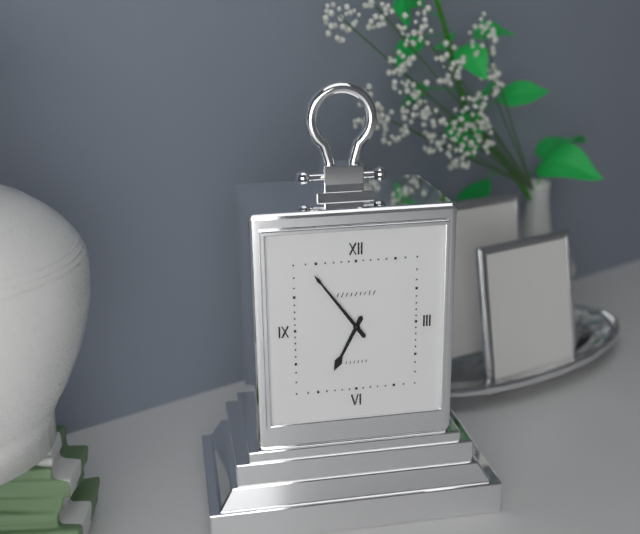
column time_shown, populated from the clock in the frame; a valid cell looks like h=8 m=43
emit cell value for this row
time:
h=6 m=54
